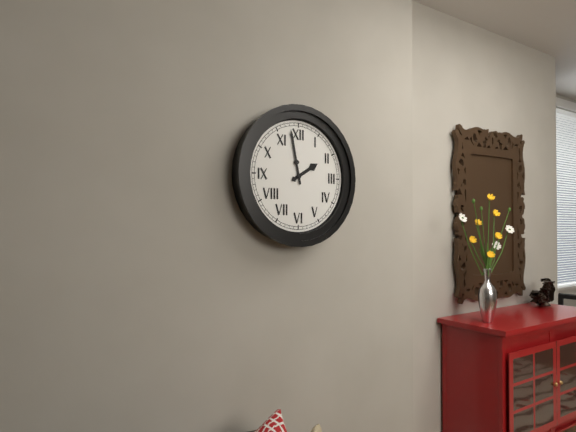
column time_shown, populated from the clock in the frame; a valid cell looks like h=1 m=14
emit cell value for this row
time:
h=1 m=58
